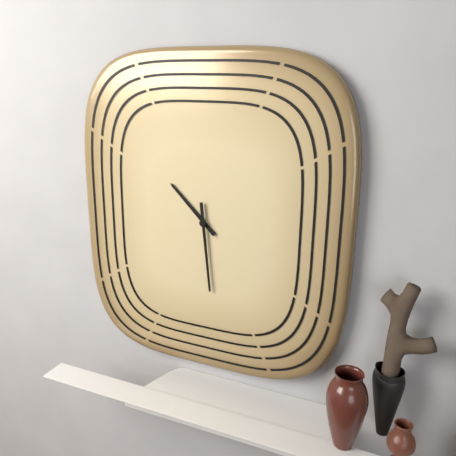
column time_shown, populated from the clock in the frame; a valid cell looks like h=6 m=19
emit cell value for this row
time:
h=10 m=29
